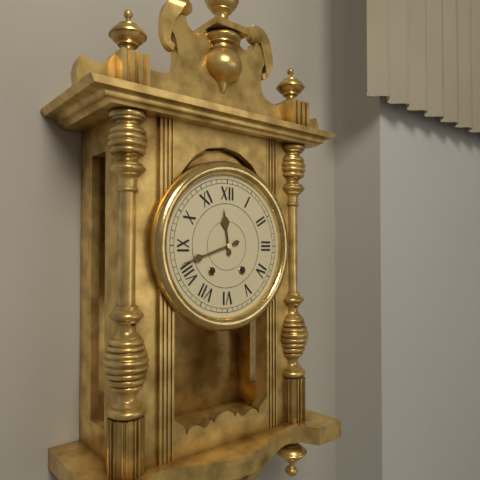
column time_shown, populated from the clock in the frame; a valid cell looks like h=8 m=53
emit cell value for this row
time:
h=11 m=42
